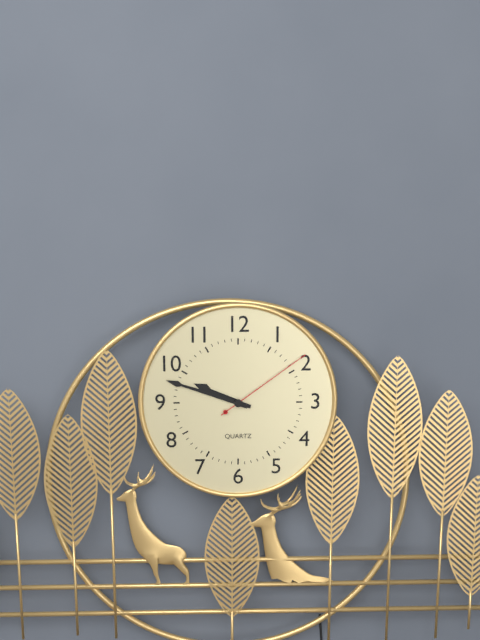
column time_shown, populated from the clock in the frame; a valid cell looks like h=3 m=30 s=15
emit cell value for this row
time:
h=9 m=48 s=9
